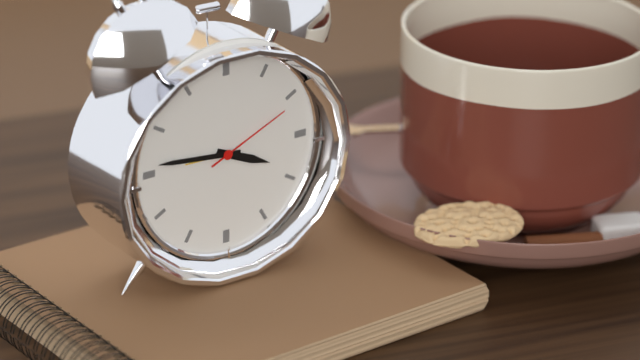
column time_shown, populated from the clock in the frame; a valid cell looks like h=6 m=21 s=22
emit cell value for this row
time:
h=3 m=46 s=11
